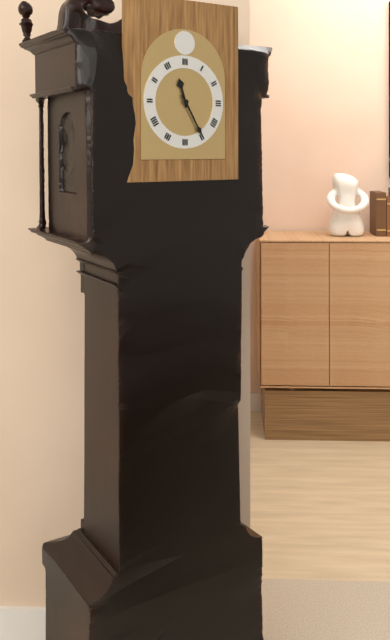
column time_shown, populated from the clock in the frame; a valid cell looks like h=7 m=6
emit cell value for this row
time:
h=11 m=25
